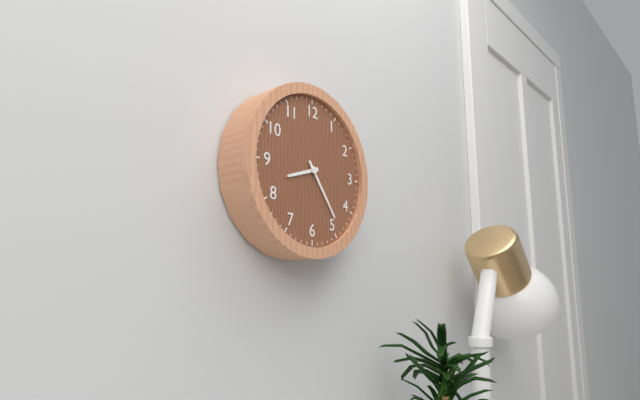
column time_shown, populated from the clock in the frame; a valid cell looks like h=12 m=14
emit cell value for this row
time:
h=8 m=24
